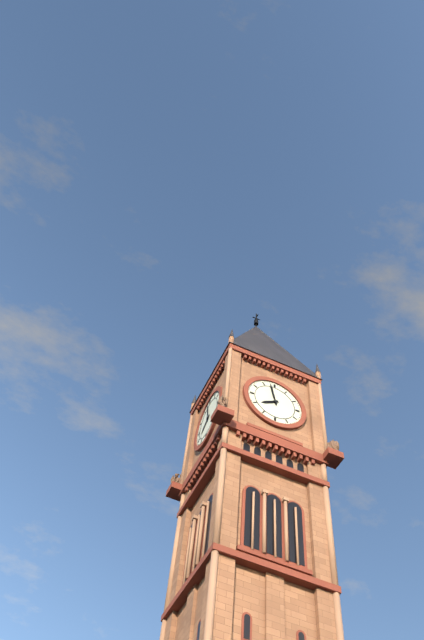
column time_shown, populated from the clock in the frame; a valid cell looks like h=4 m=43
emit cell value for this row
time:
h=7 m=58
